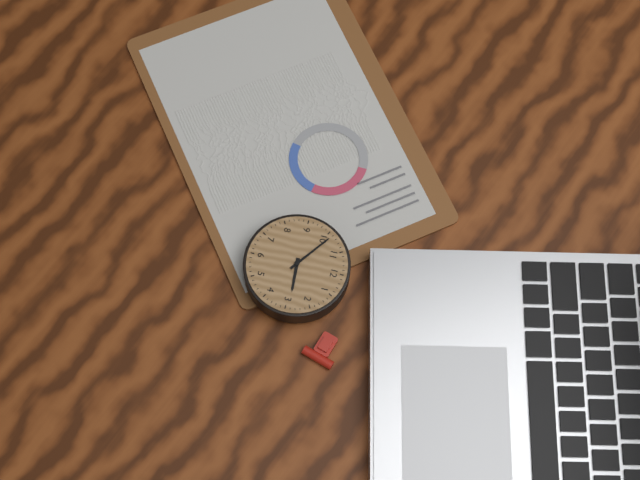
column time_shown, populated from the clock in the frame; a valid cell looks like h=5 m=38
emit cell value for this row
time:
h=2 m=51
